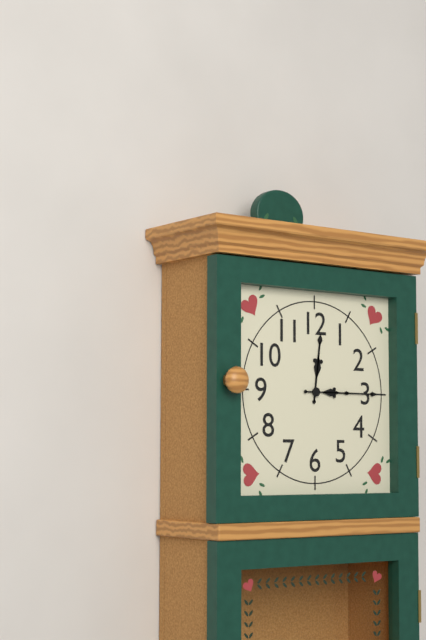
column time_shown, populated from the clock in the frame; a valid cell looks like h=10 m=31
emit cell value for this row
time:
h=12 m=15
